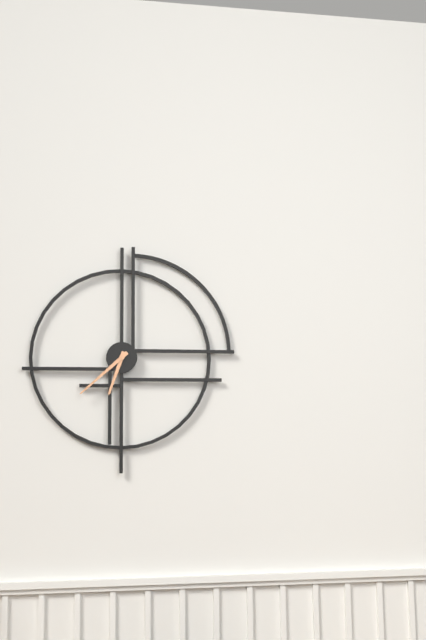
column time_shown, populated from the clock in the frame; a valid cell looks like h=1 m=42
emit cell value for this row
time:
h=6 m=38
